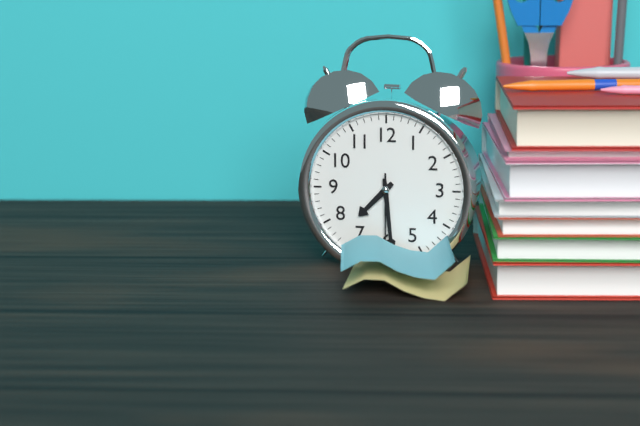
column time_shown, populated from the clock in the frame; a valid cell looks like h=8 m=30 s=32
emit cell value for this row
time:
h=7 m=29 s=30
